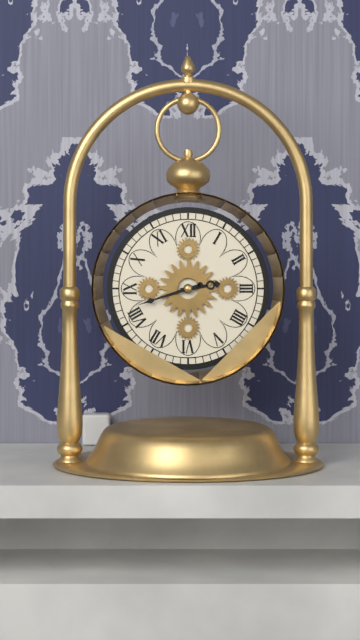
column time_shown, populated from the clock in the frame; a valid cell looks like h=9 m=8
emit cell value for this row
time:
h=2 m=42
